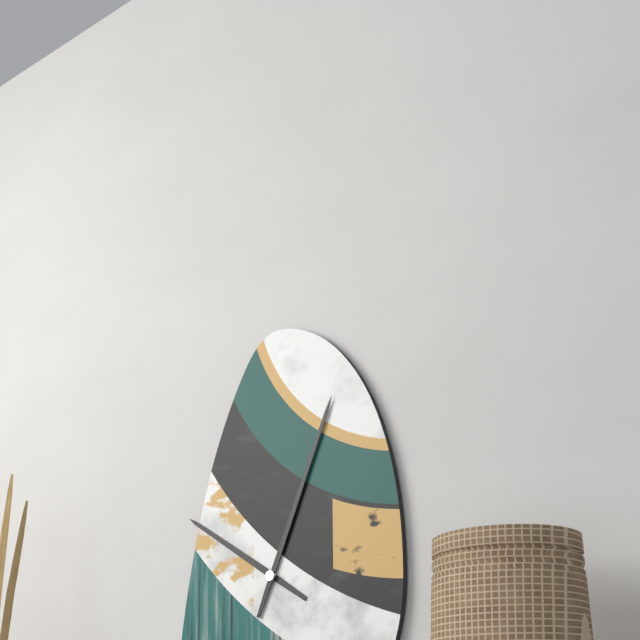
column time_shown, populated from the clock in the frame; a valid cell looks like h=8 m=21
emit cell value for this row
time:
h=10 m=4
